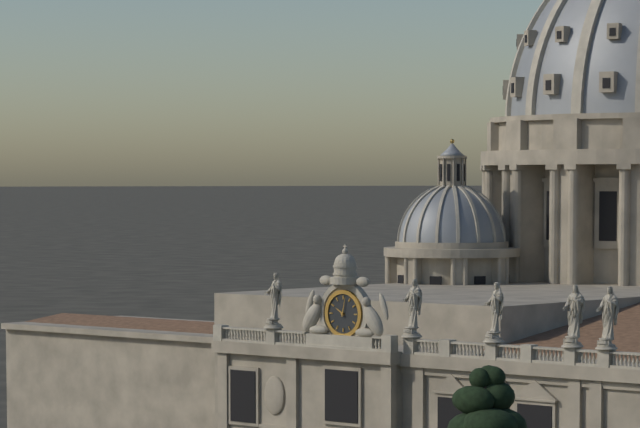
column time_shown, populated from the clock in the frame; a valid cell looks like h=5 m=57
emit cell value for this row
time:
h=10 m=2
